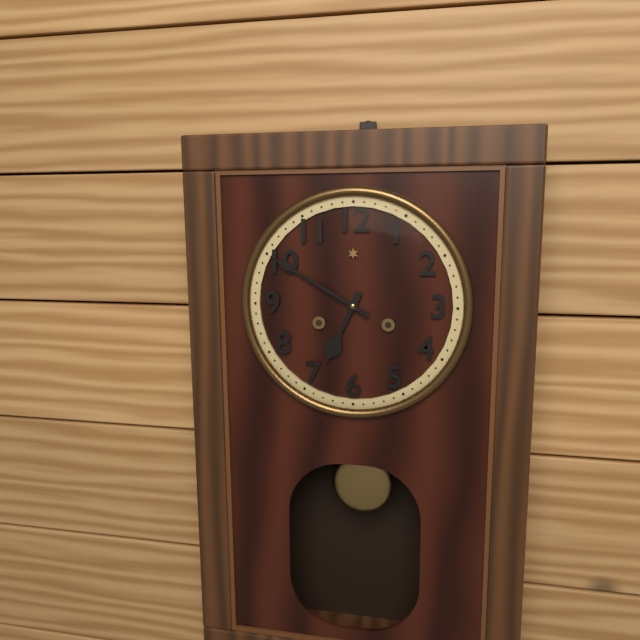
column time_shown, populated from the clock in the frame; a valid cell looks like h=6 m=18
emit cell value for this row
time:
h=6 m=50
